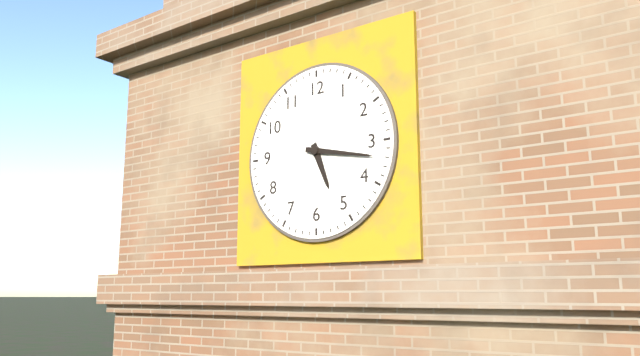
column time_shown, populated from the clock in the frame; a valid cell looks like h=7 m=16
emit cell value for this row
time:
h=5 m=17
